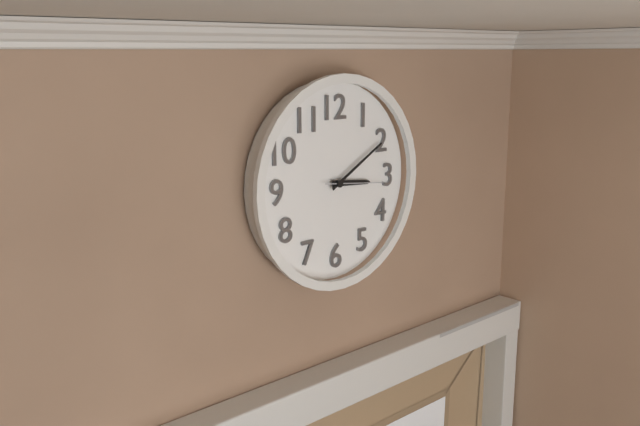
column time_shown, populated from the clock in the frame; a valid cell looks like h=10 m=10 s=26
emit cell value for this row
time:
h=3 m=10 s=16
